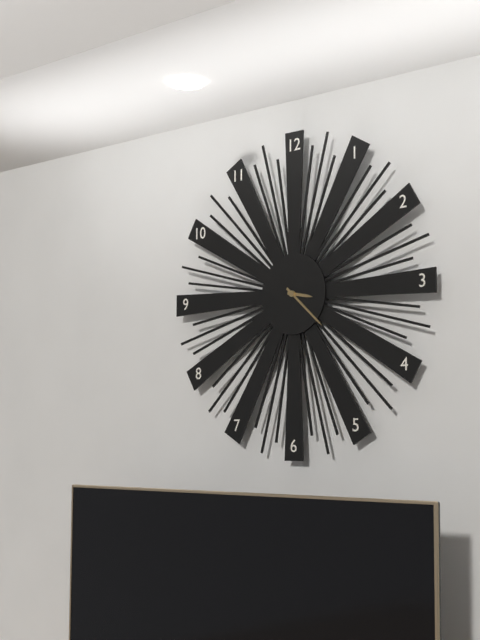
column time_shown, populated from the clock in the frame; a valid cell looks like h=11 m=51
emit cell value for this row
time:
h=3 m=22
